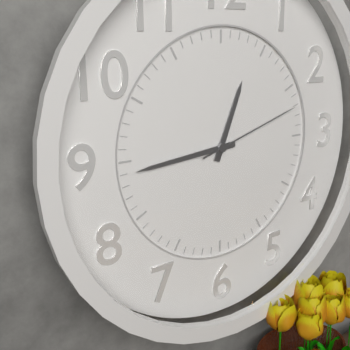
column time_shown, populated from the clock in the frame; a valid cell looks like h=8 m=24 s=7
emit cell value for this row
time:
h=12 m=44 s=12
